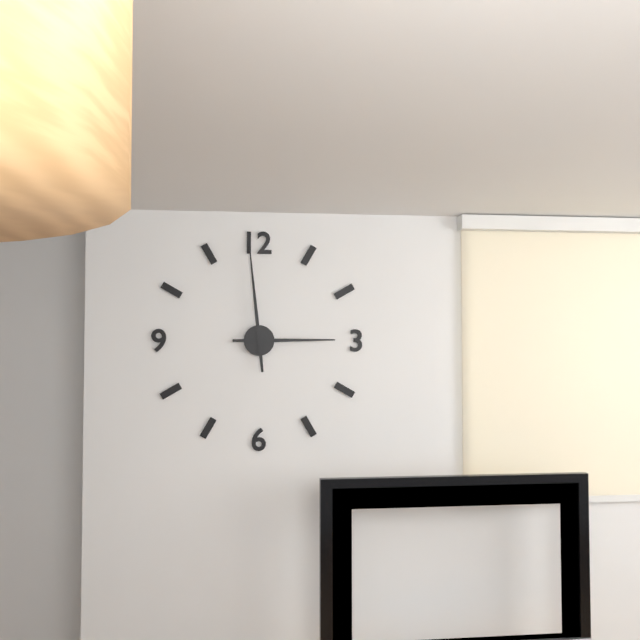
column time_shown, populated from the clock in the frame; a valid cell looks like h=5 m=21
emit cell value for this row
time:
h=2 m=59
